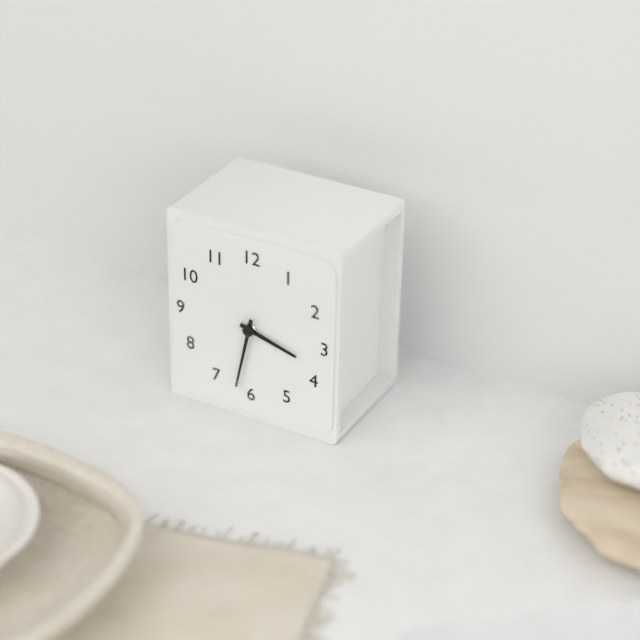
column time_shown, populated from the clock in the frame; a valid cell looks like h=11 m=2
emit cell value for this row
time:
h=3 m=32
